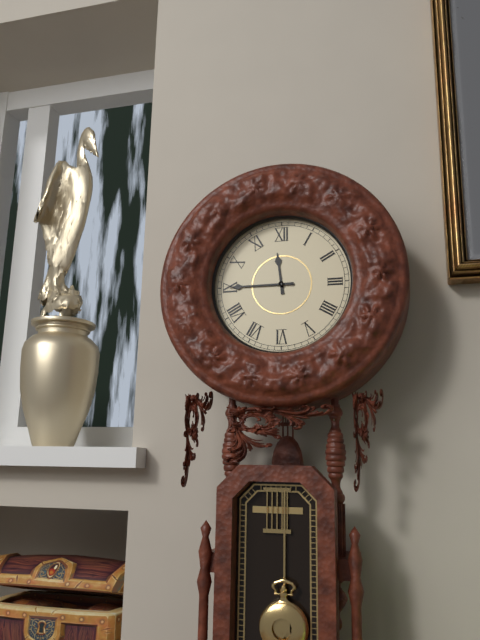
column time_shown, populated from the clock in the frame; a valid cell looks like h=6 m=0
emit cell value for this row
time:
h=11 m=45
